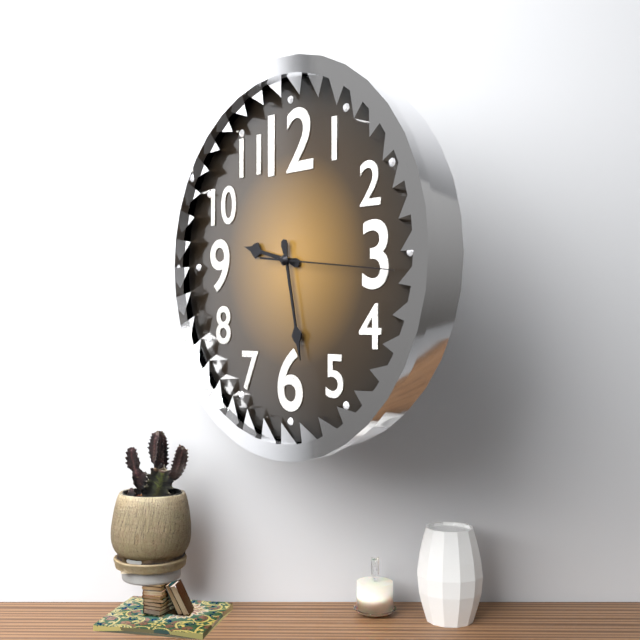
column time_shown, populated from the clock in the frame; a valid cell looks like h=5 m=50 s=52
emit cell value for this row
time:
h=9 m=28 s=16
